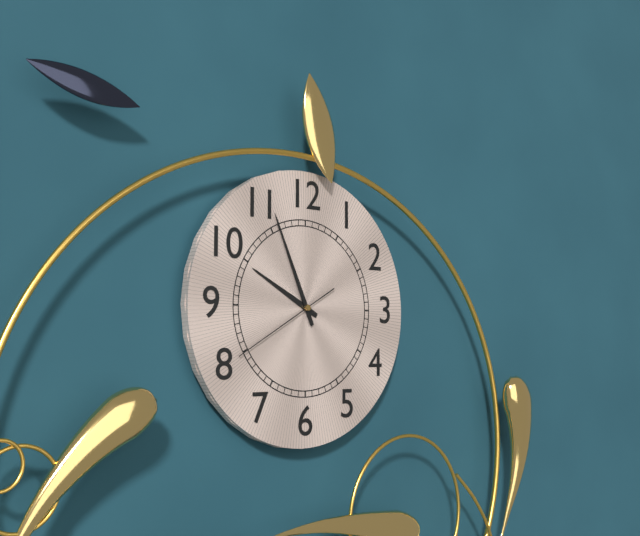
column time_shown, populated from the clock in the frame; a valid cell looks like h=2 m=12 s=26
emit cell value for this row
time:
h=9 m=56 s=40
